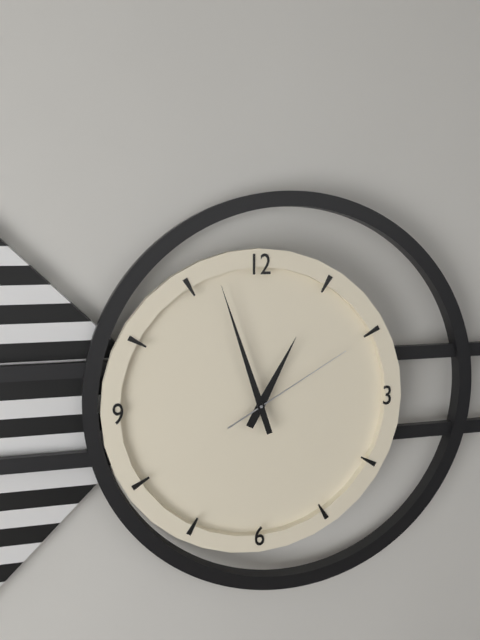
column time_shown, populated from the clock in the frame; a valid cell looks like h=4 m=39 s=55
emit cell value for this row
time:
h=12 m=57 s=10
